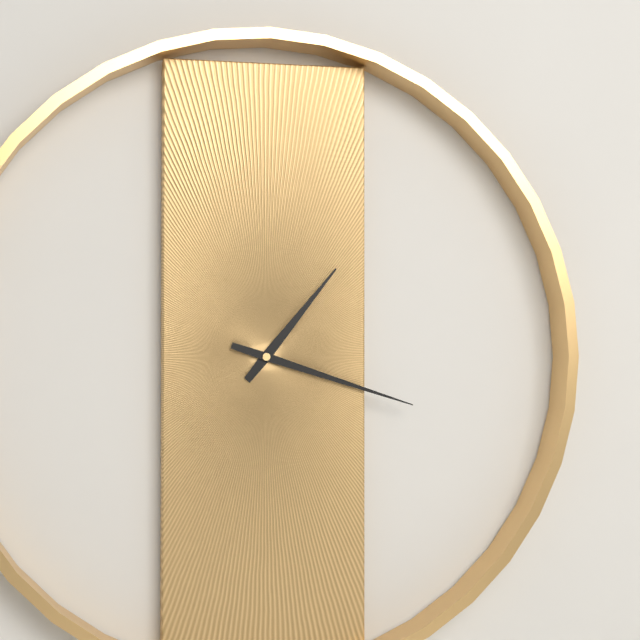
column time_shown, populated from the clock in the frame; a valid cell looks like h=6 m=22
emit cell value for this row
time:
h=1 m=18
